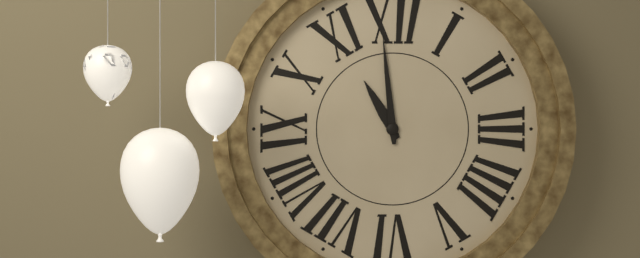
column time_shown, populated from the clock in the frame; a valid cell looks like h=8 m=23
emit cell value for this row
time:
h=10 m=59
